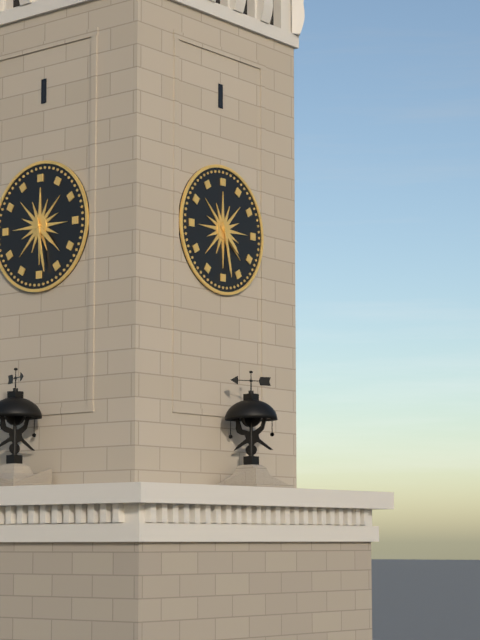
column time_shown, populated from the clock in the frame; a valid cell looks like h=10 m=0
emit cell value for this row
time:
h=4 m=28
